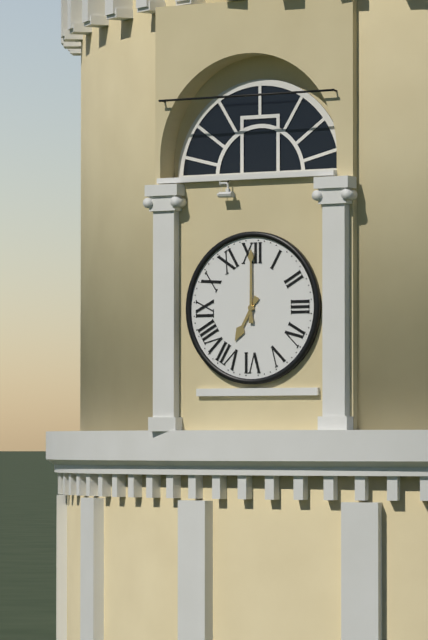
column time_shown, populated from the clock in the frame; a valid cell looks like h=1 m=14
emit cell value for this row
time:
h=7 m=0
